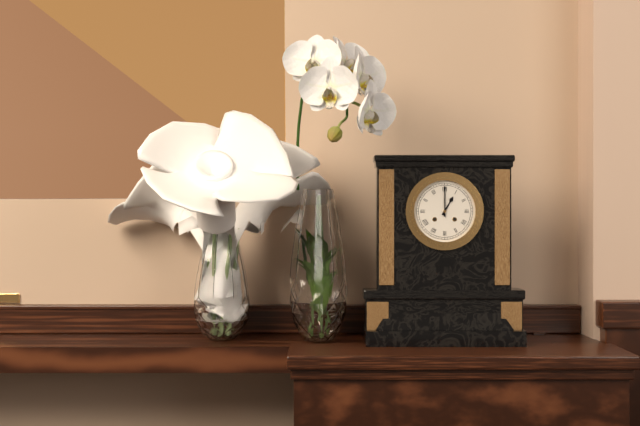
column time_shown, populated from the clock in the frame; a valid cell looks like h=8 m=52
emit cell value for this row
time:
h=1 m=0
